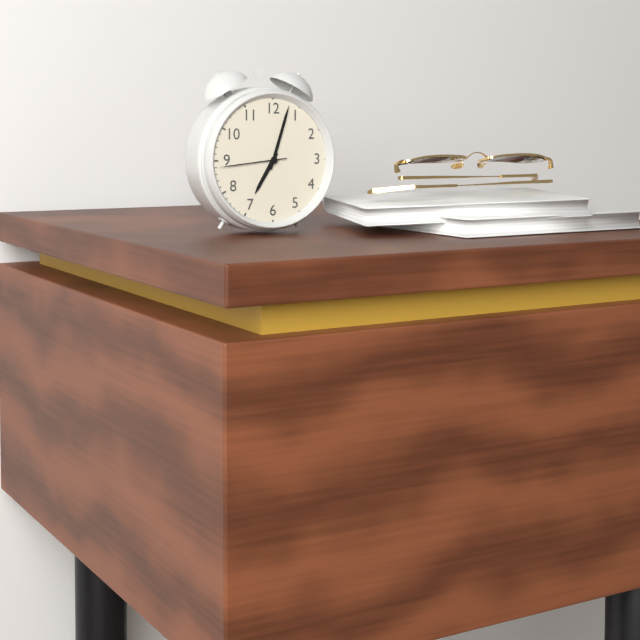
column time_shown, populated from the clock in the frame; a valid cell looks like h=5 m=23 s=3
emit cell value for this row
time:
h=7 m=3 s=44
